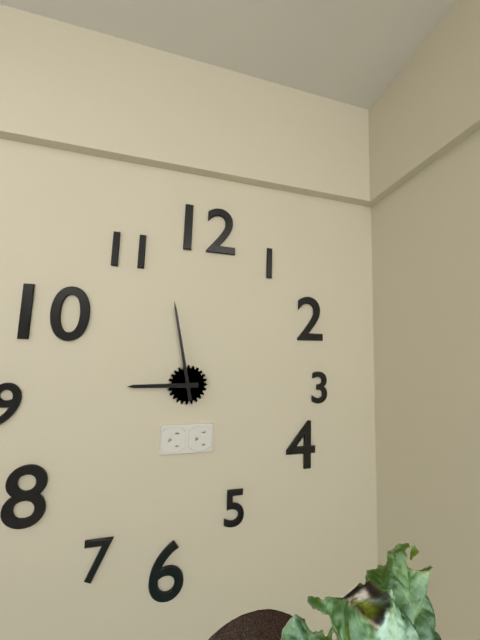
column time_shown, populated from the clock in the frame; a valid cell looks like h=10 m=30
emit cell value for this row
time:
h=8 m=58
